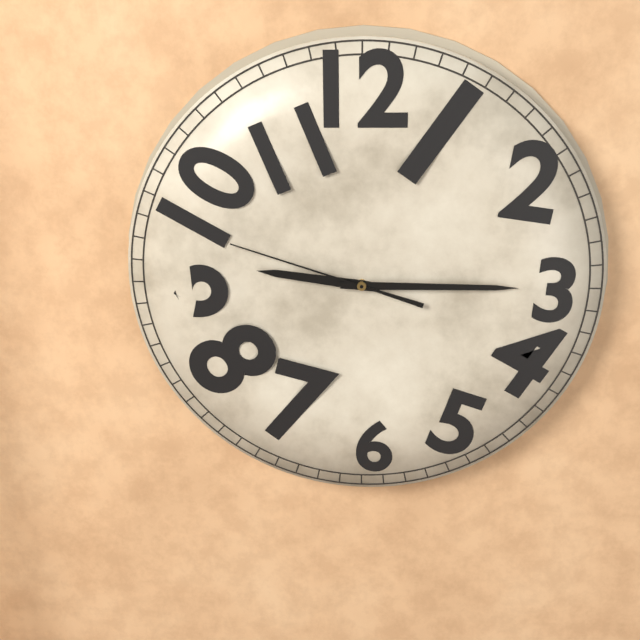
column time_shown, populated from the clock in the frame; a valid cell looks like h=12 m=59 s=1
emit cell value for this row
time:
h=9 m=15 s=48
